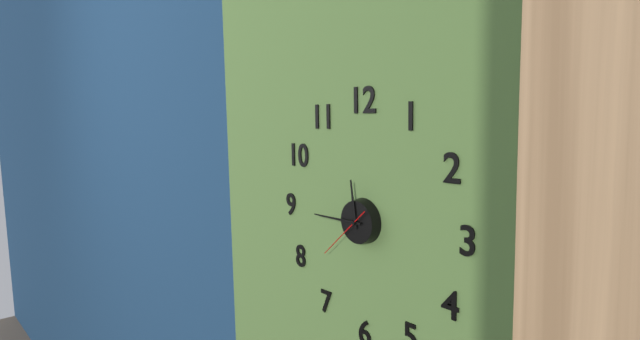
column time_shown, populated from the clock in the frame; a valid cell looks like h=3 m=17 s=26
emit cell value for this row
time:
h=11 m=45 s=38
